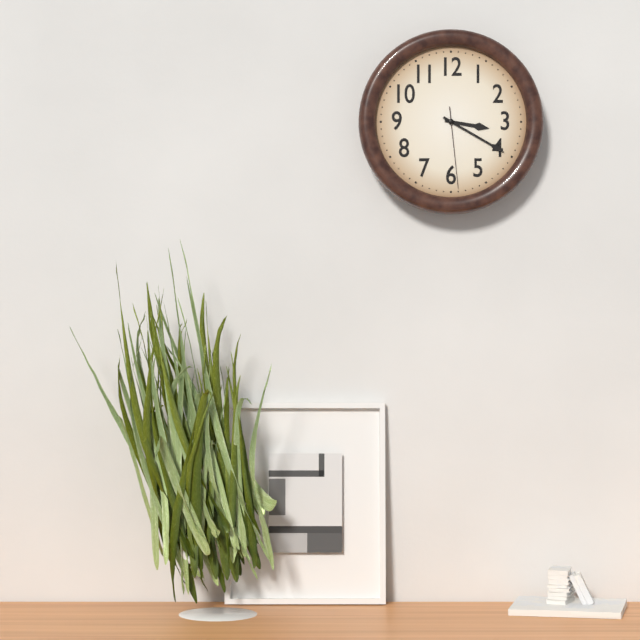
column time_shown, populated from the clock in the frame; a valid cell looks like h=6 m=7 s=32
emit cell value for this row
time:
h=3 m=20 s=29
